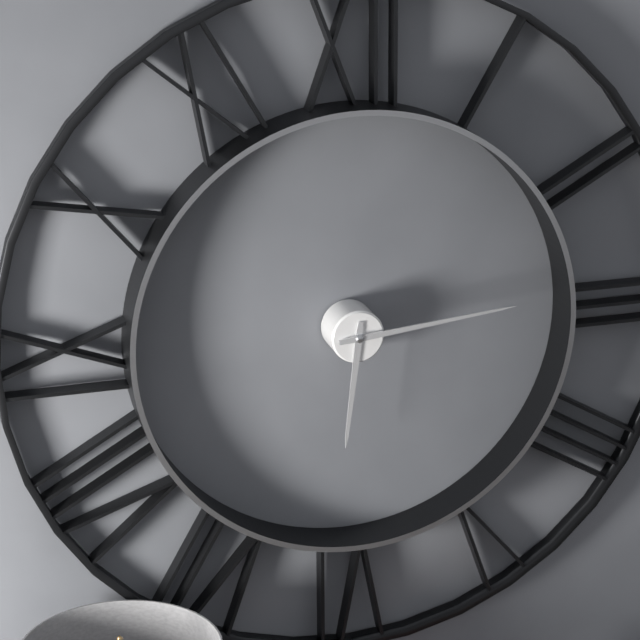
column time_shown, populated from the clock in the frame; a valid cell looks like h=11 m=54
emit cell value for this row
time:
h=6 m=14
